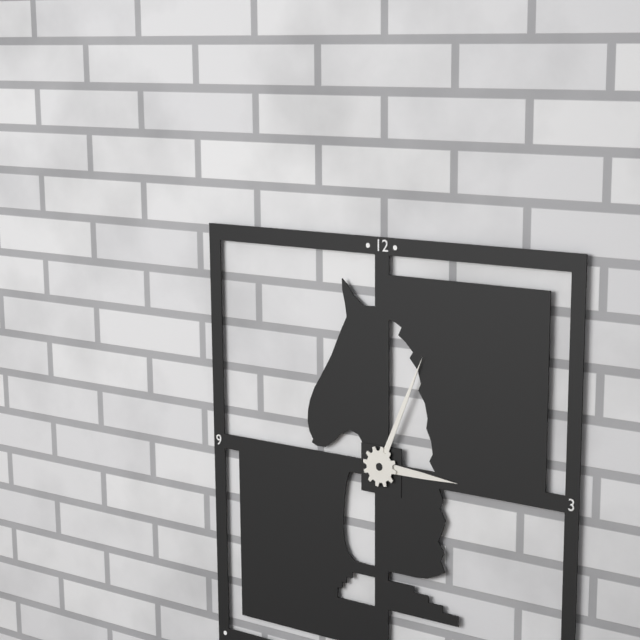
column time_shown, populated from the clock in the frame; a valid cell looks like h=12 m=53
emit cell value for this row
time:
h=3 m=4
